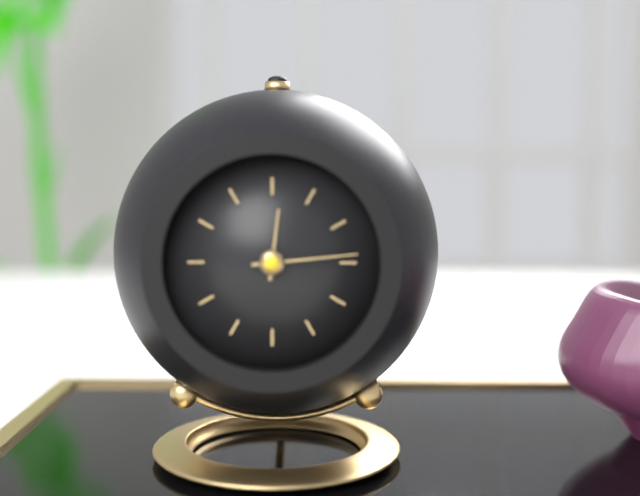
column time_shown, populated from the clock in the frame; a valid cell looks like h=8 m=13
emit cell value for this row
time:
h=12 m=14
